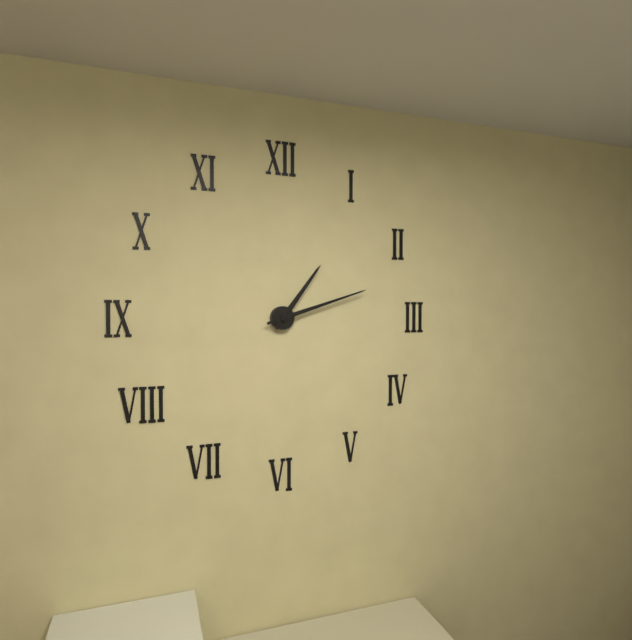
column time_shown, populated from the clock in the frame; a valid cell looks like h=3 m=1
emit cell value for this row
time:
h=1 m=12
